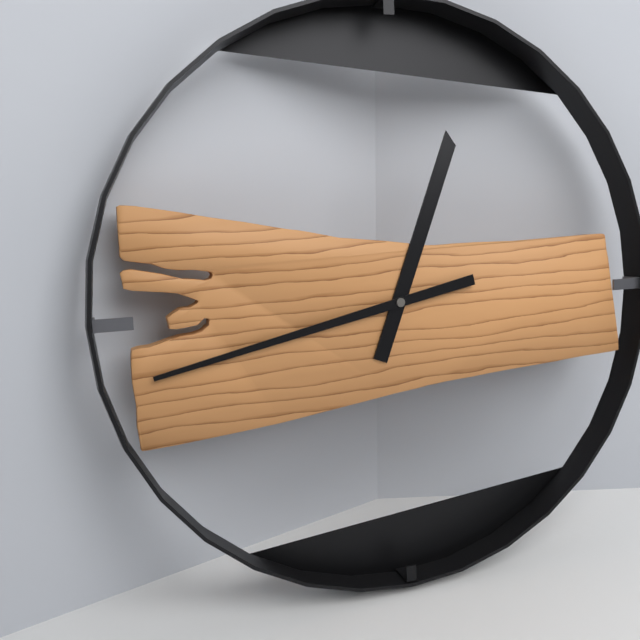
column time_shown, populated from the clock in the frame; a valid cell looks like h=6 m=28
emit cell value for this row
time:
h=12 m=43
